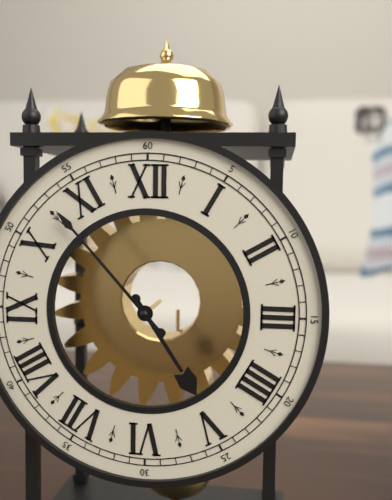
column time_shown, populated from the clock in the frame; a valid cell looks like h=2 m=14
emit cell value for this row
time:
h=4 m=53
